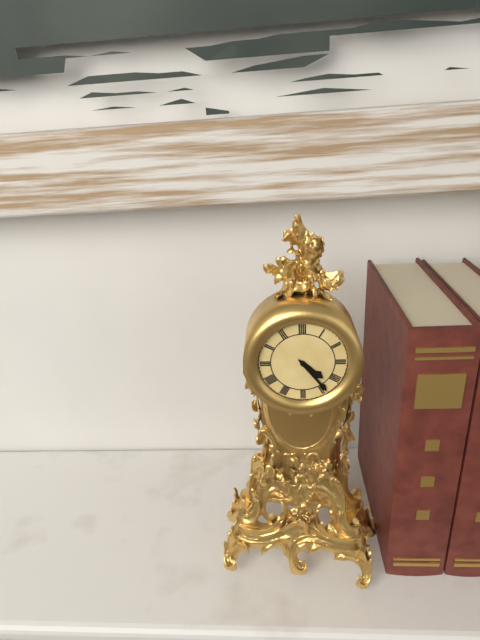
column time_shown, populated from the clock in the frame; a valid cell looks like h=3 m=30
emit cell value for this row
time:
h=4 m=24
